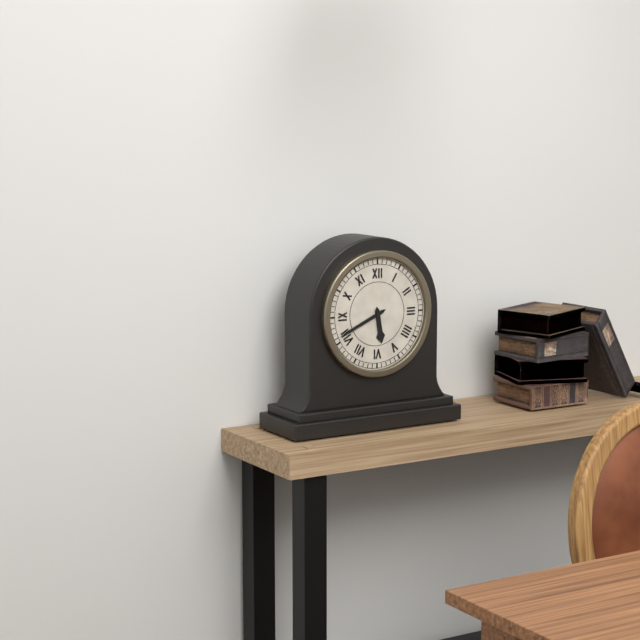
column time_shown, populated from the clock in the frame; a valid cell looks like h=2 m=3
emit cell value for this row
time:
h=5 m=41
